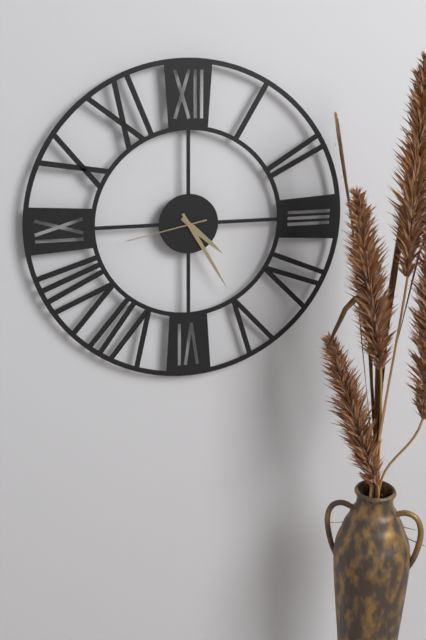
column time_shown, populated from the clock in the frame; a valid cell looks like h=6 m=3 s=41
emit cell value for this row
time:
h=4 m=25 s=43
